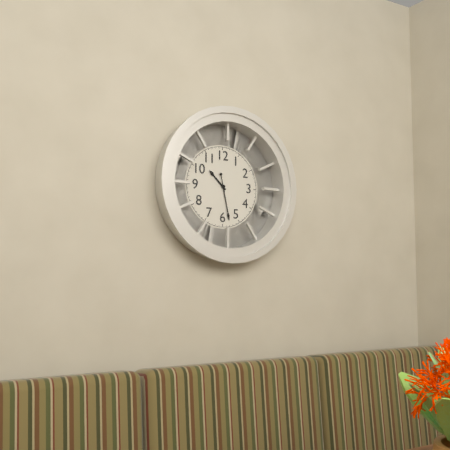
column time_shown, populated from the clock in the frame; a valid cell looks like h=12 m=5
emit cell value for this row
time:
h=10 m=28
